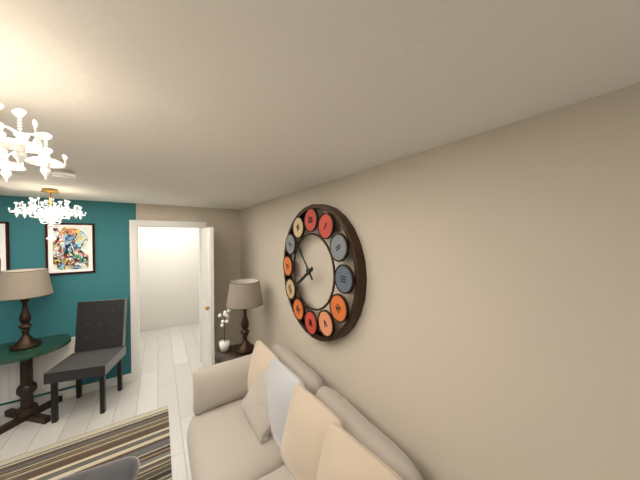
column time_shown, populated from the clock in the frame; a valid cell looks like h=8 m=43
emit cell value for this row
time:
h=7 m=53
